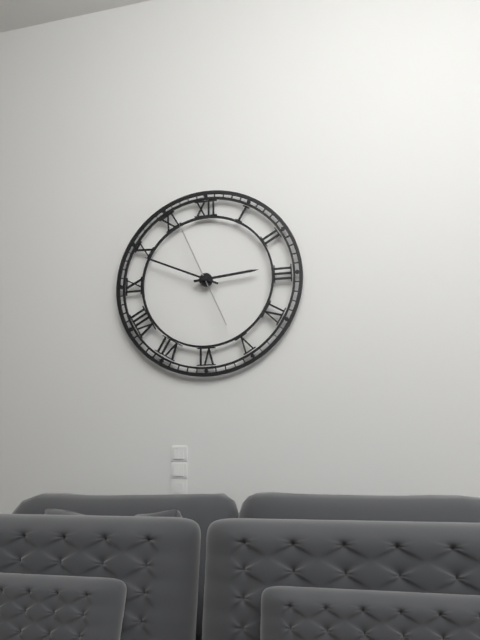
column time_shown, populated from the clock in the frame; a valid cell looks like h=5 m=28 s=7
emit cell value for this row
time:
h=2 m=49 s=56
